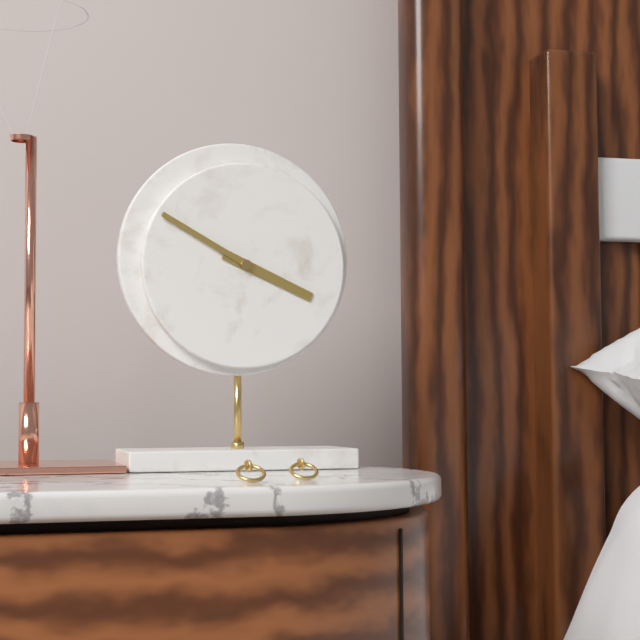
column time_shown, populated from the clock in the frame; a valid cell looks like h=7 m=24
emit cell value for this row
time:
h=3 m=50
